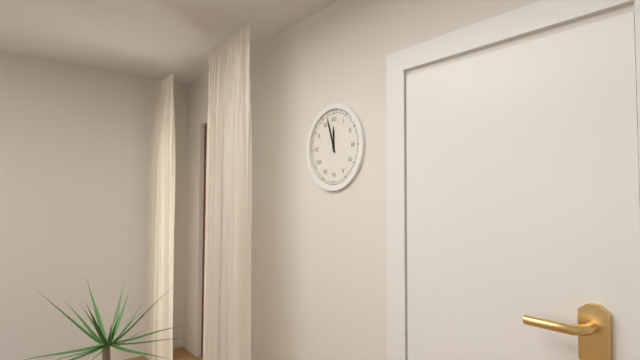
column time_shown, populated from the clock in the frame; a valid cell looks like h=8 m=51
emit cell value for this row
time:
h=11 m=57
